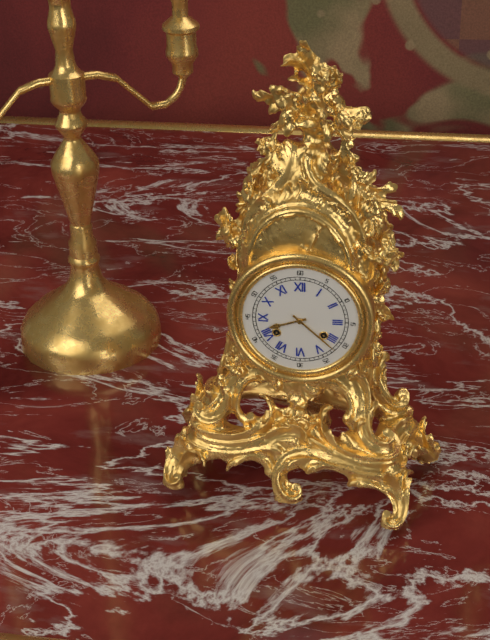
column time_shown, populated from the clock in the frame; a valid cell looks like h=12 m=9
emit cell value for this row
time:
h=8 m=22
